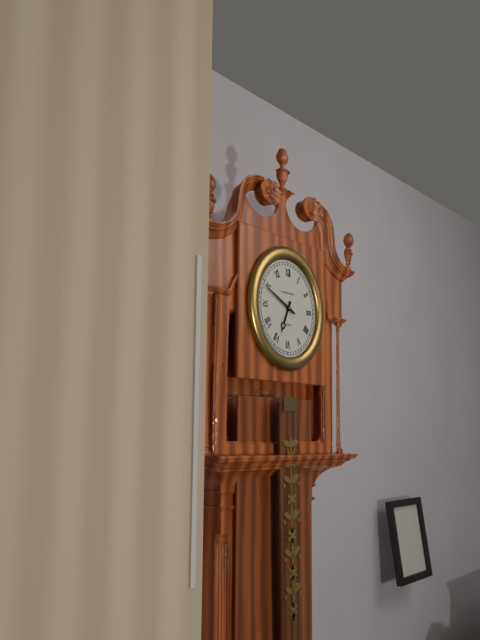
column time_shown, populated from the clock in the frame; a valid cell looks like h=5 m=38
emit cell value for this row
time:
h=6 m=49
